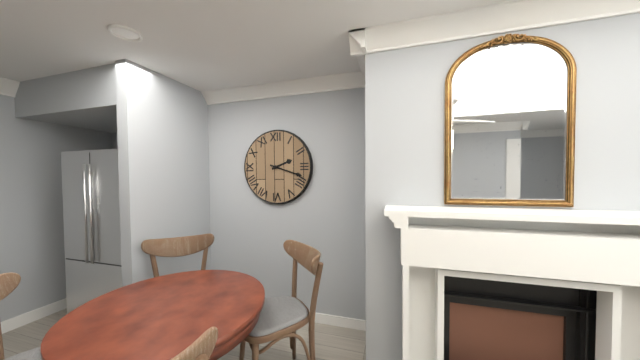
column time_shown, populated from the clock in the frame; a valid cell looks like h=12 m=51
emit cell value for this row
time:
h=2 m=18
